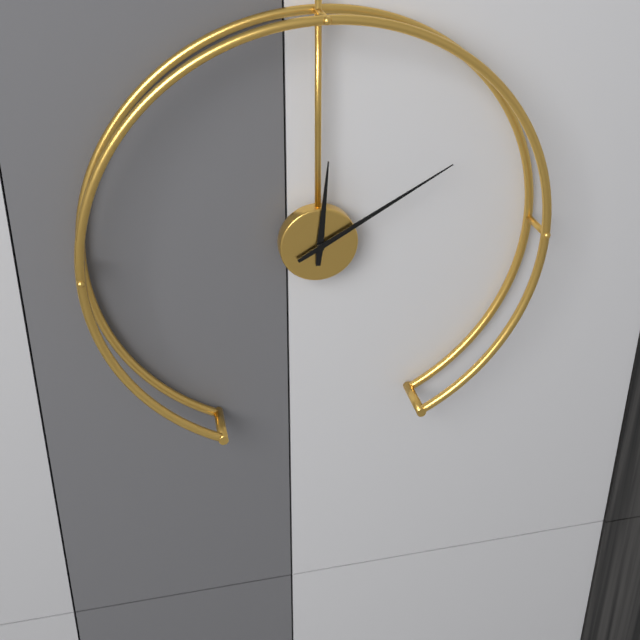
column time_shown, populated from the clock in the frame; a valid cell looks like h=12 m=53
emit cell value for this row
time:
h=12 m=10
